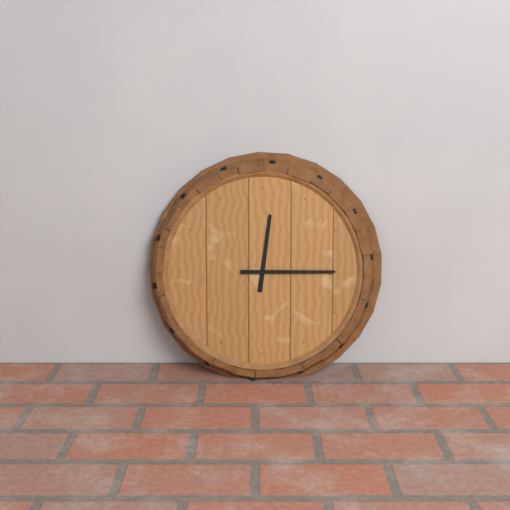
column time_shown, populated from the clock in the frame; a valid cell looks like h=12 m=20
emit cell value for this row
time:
h=12 m=15
